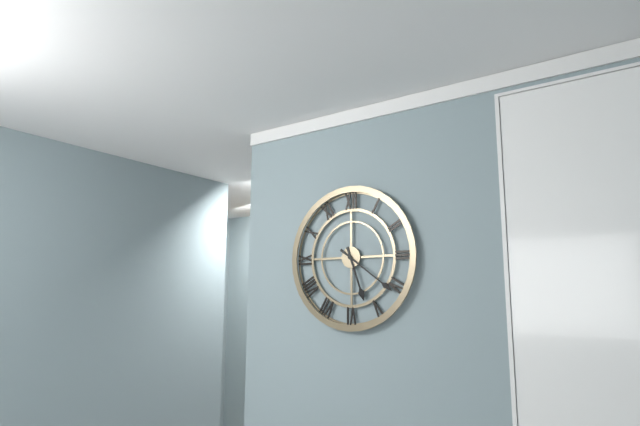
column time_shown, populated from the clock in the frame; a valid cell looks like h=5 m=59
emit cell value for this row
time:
h=5 m=21
